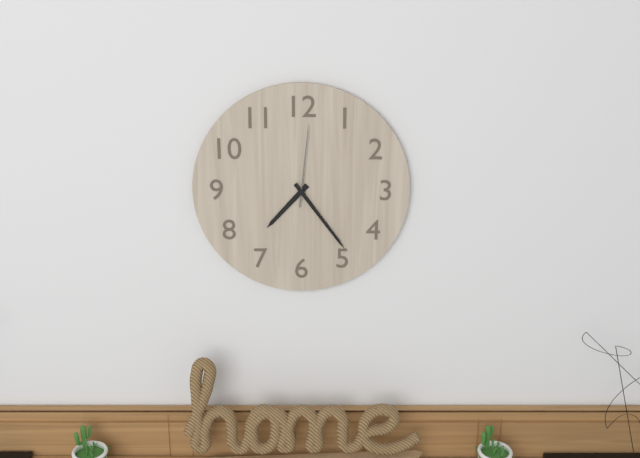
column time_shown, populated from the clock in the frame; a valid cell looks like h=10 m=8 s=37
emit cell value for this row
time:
h=7 m=24 s=1
